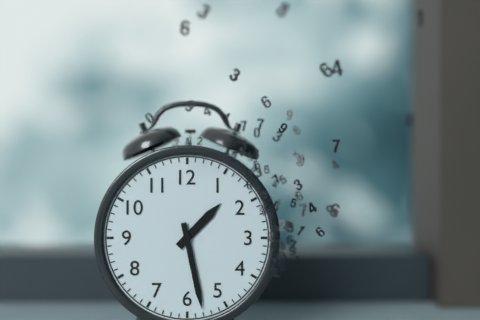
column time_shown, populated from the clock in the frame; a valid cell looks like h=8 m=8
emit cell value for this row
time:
h=1 m=28
